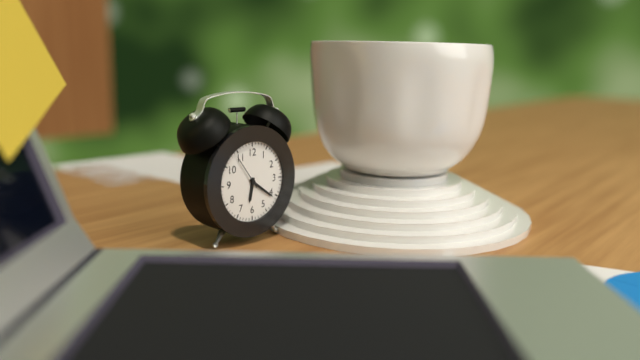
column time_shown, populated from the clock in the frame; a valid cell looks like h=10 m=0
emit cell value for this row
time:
h=6 m=21
